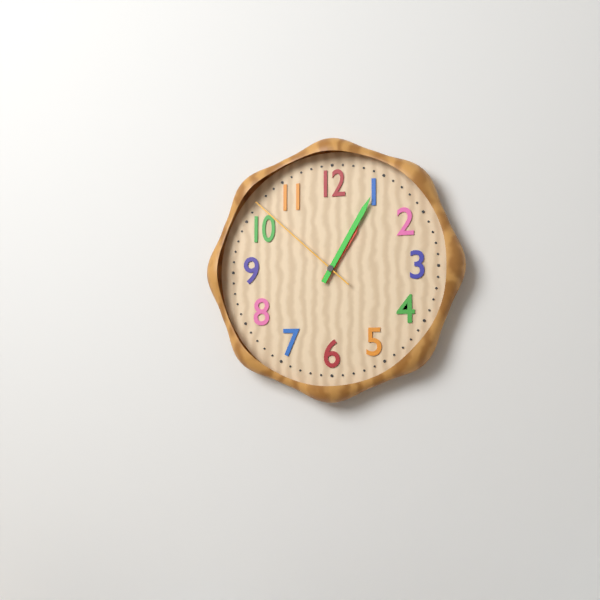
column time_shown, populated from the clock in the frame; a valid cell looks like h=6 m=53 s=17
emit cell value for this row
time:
h=1 m=5 s=52
